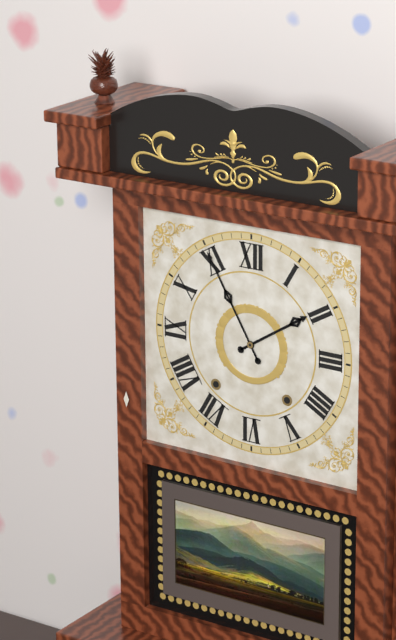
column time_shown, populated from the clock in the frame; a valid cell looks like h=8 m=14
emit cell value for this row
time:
h=1 m=55
